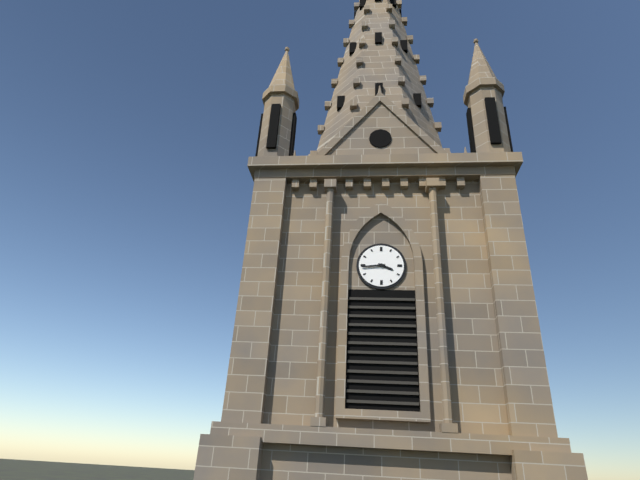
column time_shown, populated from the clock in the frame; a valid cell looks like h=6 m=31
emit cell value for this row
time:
h=3 m=44
